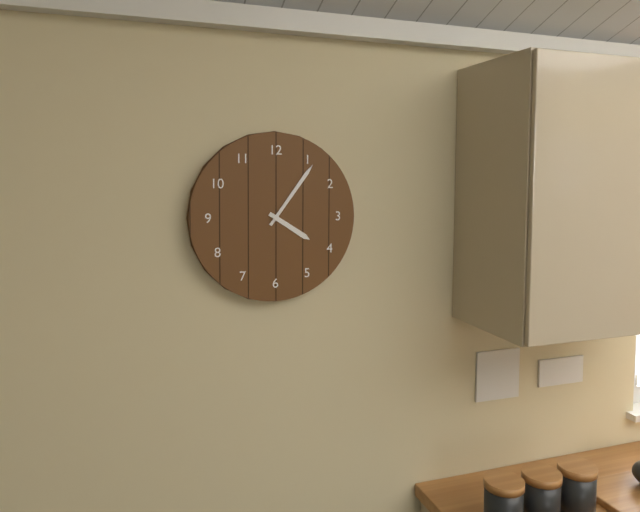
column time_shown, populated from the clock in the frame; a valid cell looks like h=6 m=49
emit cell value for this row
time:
h=4 m=6
